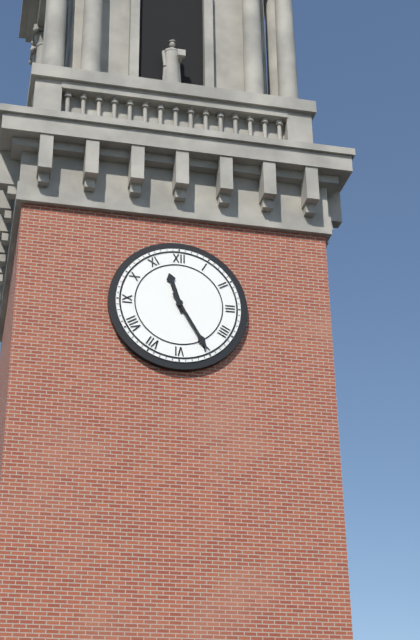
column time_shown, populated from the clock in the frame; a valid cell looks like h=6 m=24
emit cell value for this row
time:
h=11 m=25
